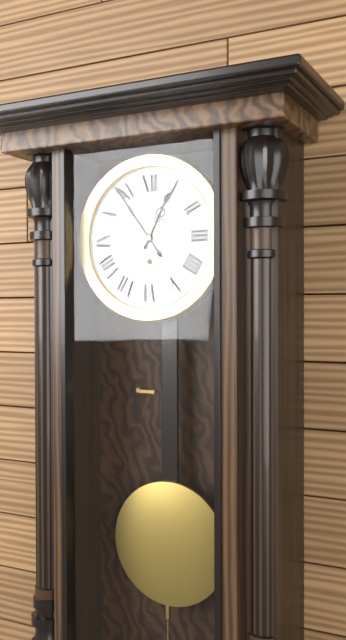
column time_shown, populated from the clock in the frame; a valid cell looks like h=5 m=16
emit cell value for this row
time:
h=12 m=54
